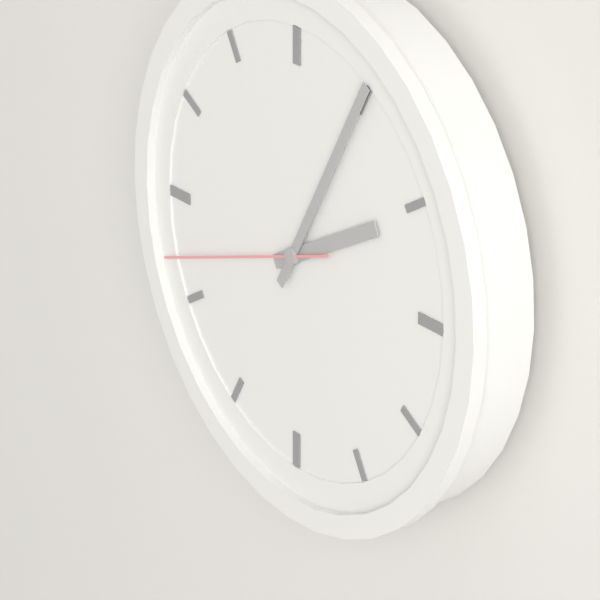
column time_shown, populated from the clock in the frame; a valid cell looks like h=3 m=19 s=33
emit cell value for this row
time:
h=2 m=5 s=42
